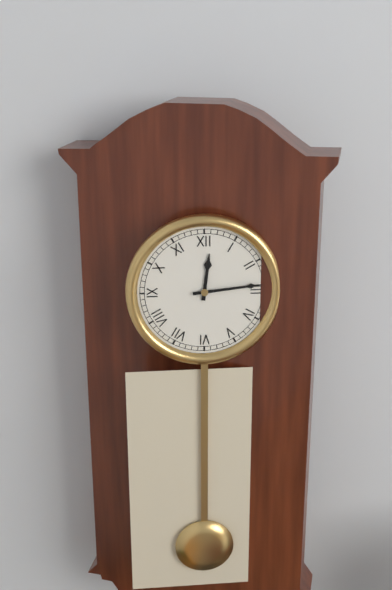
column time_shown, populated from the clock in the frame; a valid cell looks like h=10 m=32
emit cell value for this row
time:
h=12 m=14
